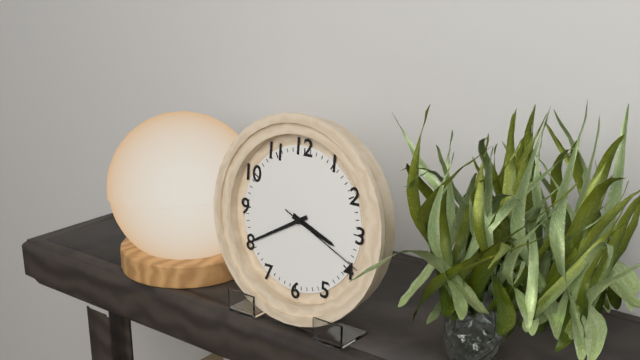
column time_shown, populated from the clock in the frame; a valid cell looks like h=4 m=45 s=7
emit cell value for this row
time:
h=3 m=40 s=19
